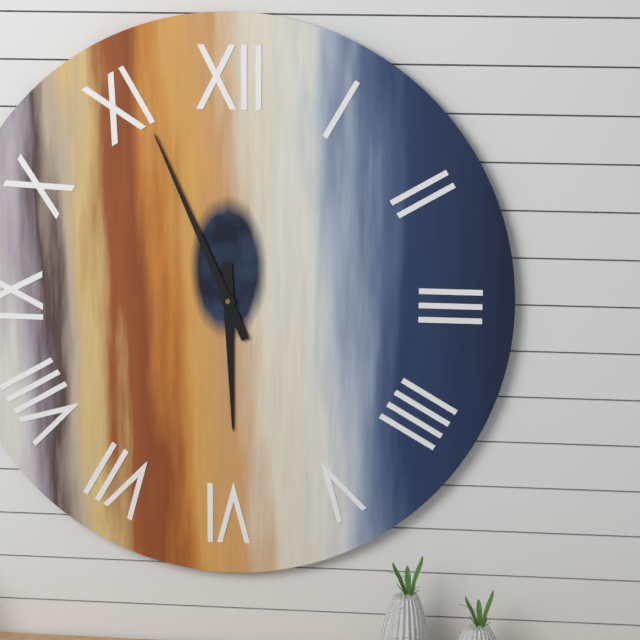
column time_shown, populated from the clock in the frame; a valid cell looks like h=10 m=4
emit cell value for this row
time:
h=5 m=56
